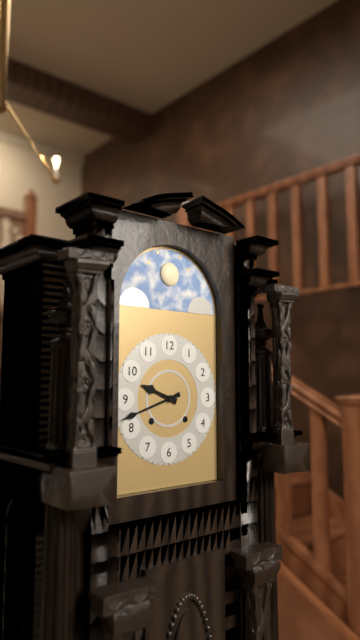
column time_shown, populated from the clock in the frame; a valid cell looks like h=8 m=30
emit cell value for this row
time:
h=9 m=42
